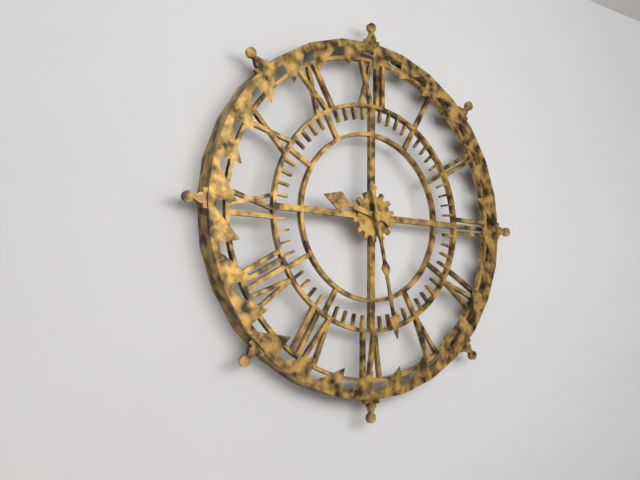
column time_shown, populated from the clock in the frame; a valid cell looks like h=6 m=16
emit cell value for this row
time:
h=9 m=28
